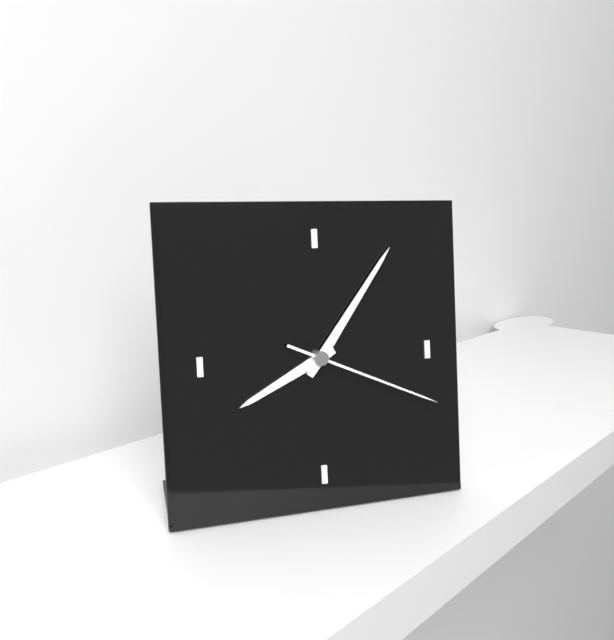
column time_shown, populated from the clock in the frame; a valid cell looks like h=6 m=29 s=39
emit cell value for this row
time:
h=8 m=6 s=19
